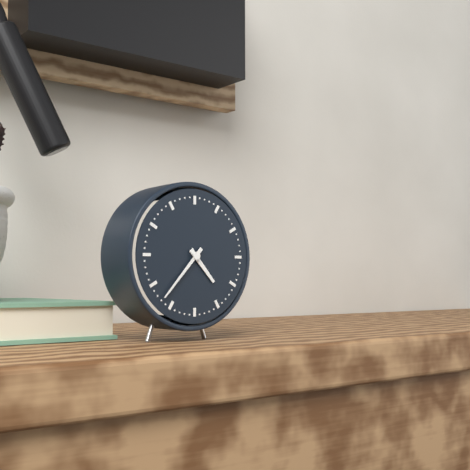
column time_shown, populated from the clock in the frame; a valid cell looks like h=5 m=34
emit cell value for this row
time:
h=4 m=37
